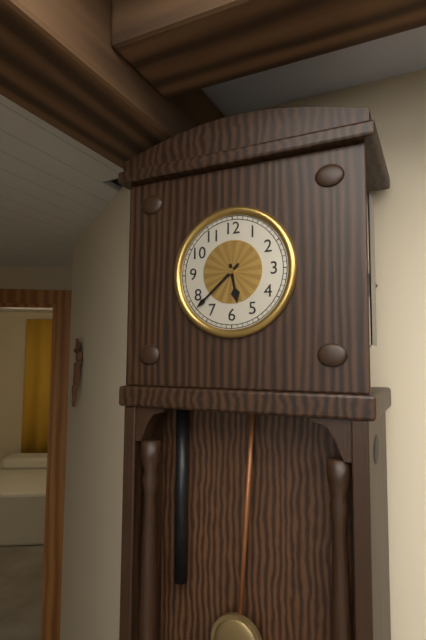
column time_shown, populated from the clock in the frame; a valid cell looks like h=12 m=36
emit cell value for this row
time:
h=5 m=38
